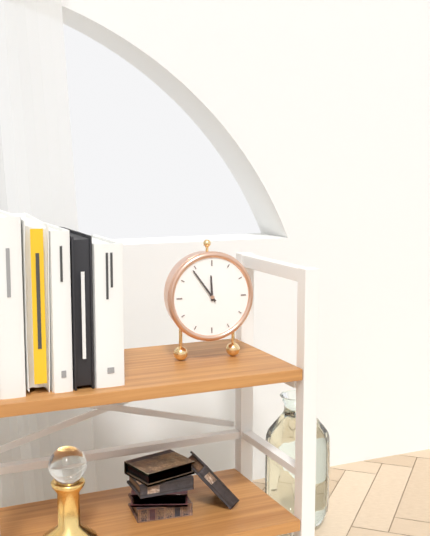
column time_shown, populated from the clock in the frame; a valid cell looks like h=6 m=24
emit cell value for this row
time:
h=11 m=54
